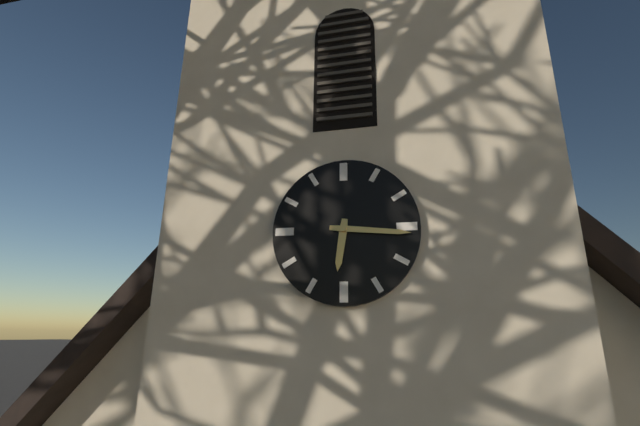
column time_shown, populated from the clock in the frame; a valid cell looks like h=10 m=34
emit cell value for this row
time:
h=6 m=16
